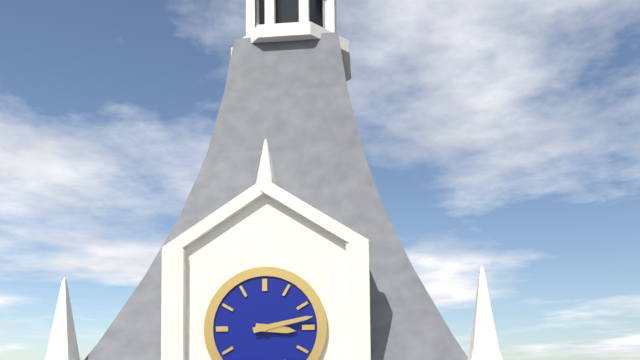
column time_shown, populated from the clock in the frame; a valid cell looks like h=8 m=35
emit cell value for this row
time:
h=3 m=13
